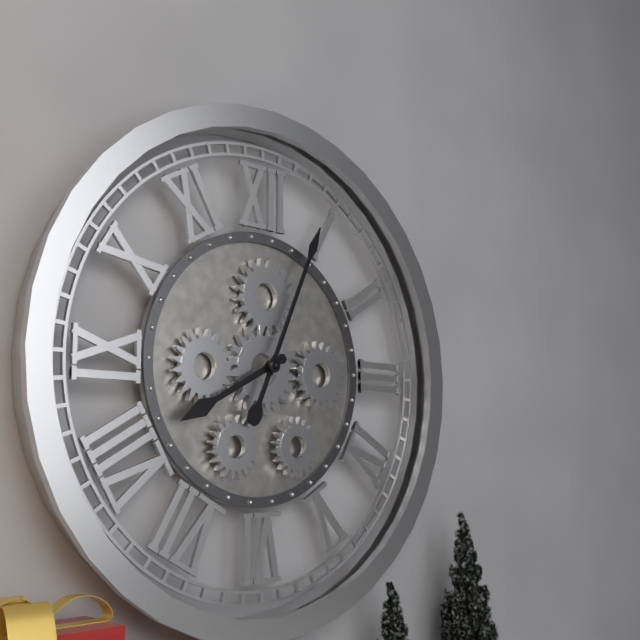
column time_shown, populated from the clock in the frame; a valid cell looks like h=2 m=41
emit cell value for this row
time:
h=8 m=4
